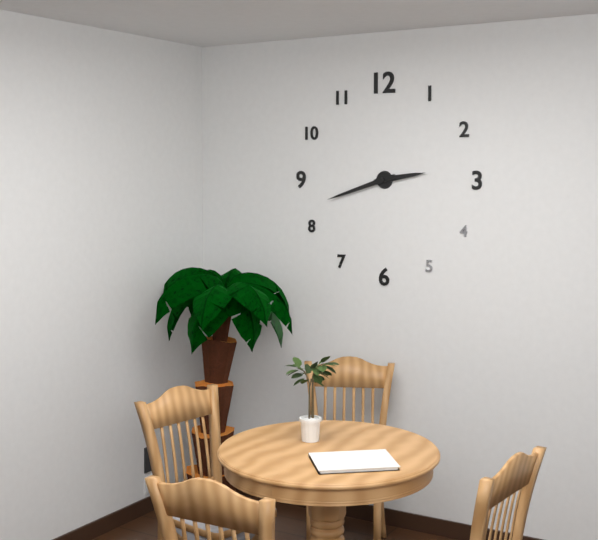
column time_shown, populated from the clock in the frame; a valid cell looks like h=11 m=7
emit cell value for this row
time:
h=2 m=42
